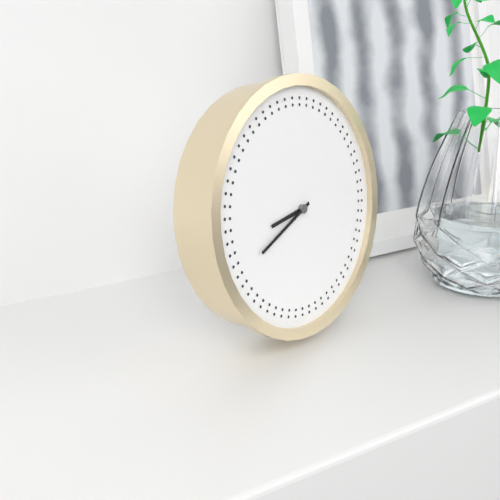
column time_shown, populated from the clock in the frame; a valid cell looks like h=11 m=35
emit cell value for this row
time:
h=8 m=41
